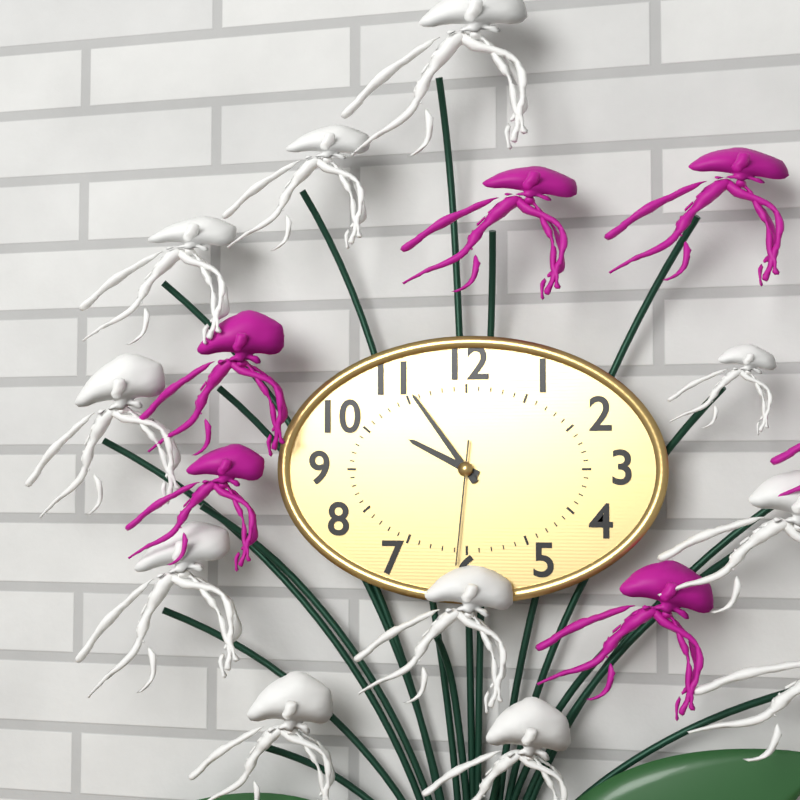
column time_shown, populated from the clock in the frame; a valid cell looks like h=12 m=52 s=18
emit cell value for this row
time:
h=9 m=54 s=31
